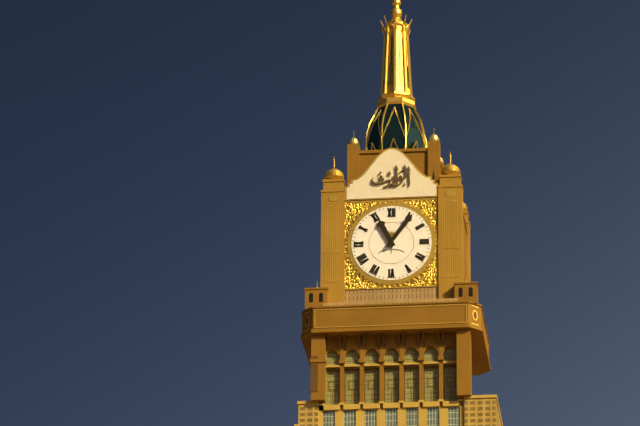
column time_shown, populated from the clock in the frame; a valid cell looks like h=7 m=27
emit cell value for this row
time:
h=11 m=6
